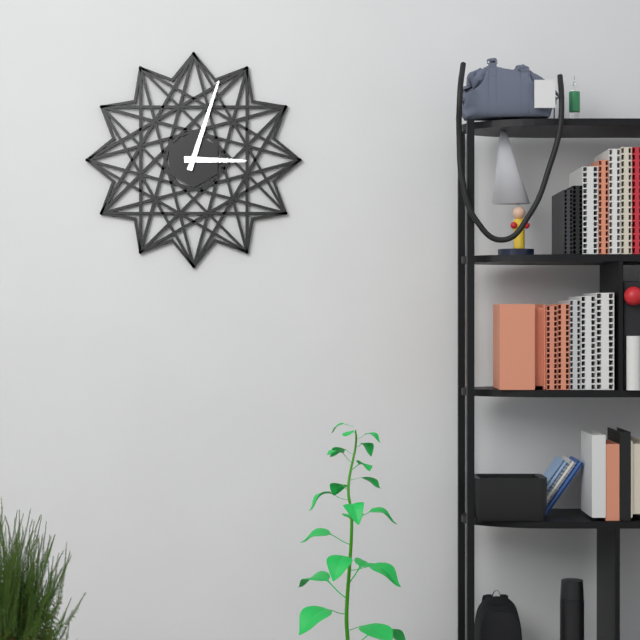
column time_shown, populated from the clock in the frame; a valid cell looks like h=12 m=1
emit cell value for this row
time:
h=3 m=3
